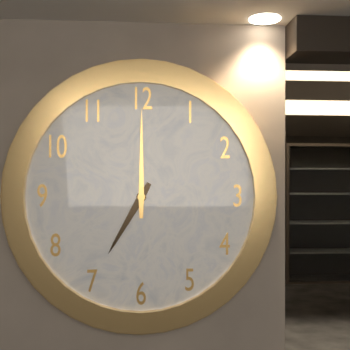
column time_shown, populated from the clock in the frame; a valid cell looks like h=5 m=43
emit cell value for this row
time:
h=7 m=0
